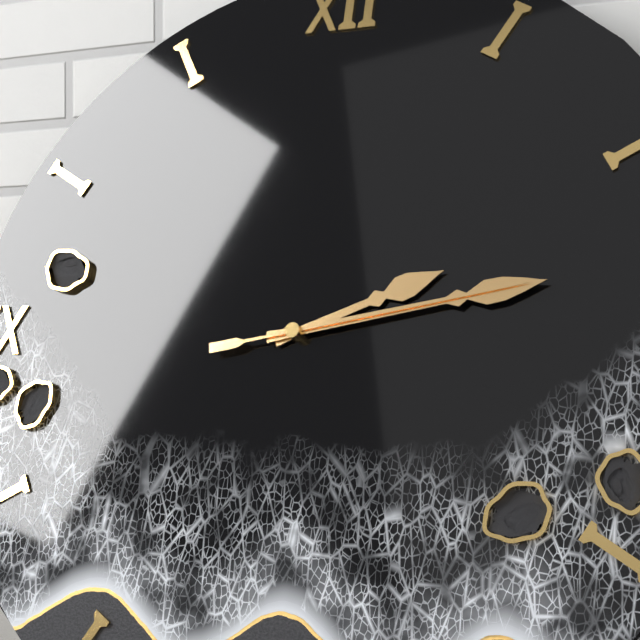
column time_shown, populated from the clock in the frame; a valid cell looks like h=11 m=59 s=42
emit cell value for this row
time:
h=2 m=13 s=13
